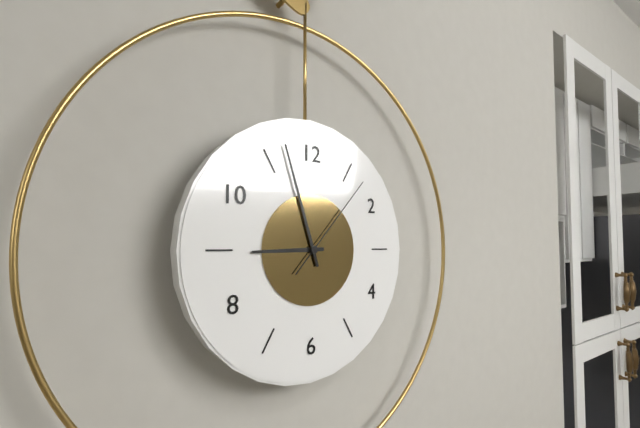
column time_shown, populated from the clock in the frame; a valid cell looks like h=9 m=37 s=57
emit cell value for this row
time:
h=8 m=57 s=7
